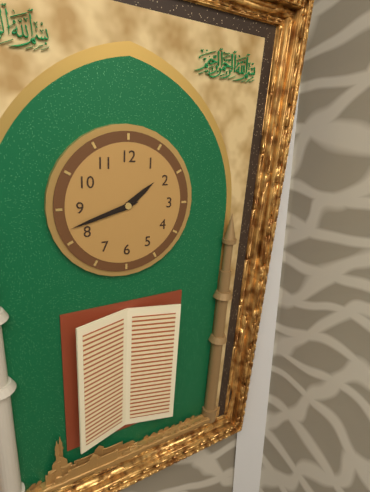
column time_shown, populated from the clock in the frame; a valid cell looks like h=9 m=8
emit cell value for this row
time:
h=1 m=42
